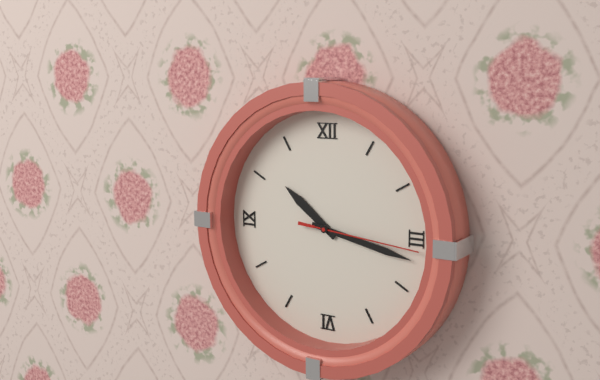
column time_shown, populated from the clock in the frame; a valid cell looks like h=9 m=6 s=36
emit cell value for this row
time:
h=10 m=17 s=16
